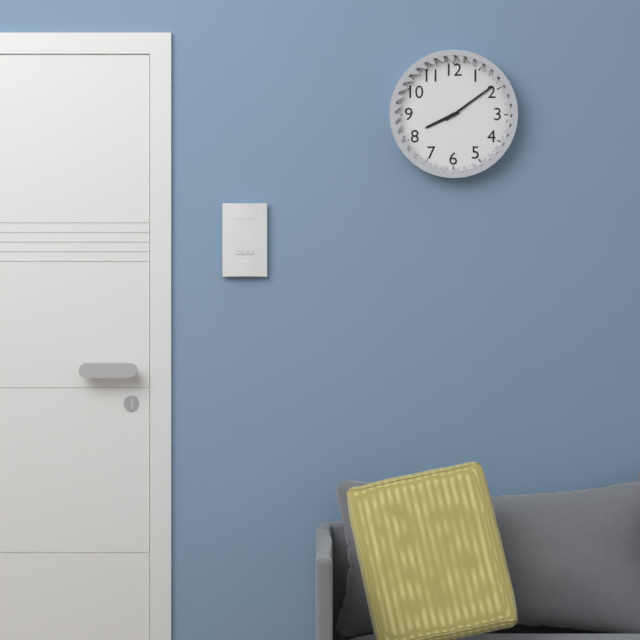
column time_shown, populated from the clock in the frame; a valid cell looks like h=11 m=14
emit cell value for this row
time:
h=8 m=9
